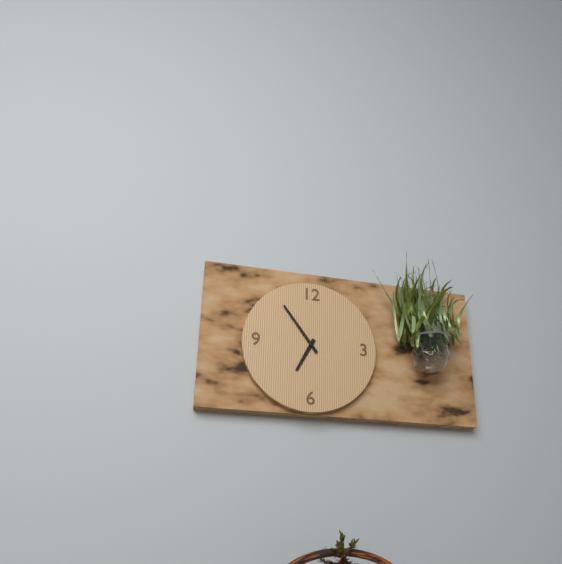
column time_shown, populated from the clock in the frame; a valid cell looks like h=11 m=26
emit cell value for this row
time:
h=6 m=54
